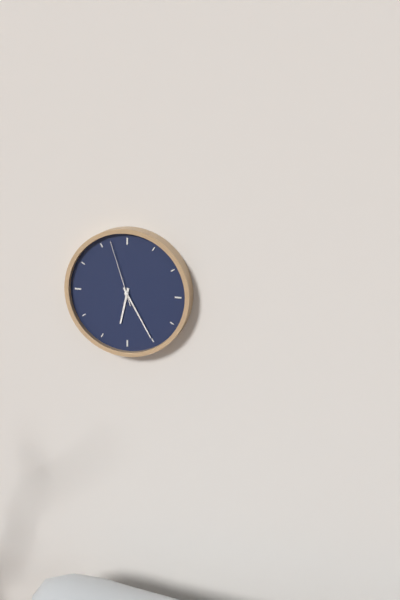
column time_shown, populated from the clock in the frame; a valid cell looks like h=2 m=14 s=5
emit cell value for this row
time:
h=6 m=25 s=57
